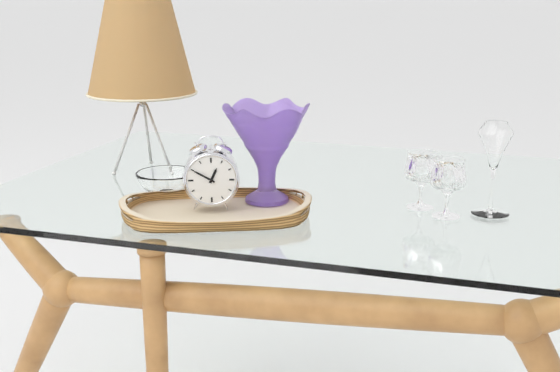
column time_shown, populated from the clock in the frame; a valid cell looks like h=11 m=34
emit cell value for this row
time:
h=12 m=50
